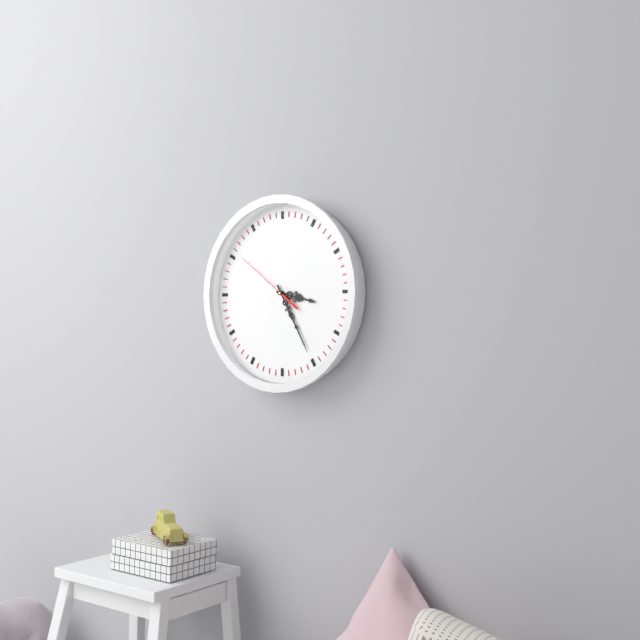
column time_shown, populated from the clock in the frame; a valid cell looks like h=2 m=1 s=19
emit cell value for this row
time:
h=3 m=25 s=51
